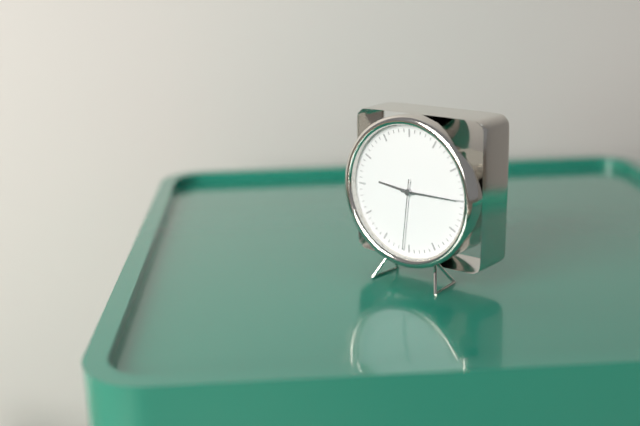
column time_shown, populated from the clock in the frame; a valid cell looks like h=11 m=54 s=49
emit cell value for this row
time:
h=9 m=15 s=31
